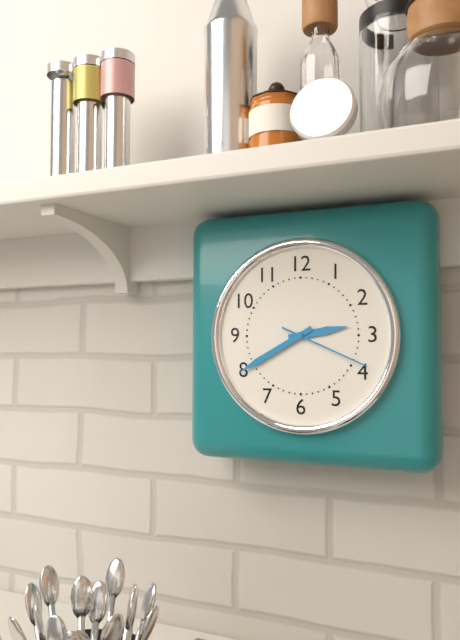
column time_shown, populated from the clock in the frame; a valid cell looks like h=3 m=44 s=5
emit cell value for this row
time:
h=2 m=40 s=19
